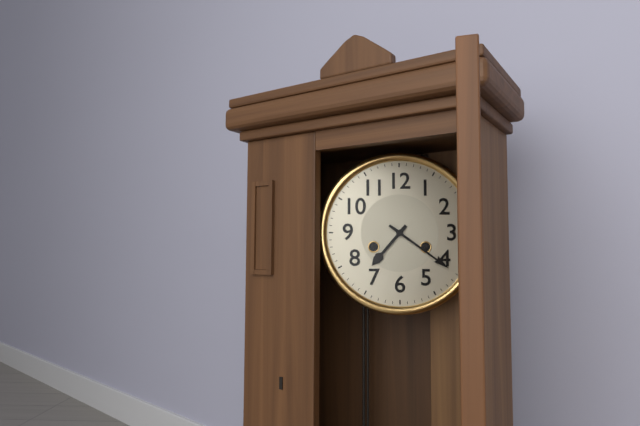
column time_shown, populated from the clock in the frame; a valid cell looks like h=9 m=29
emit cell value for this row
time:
h=7 m=21
